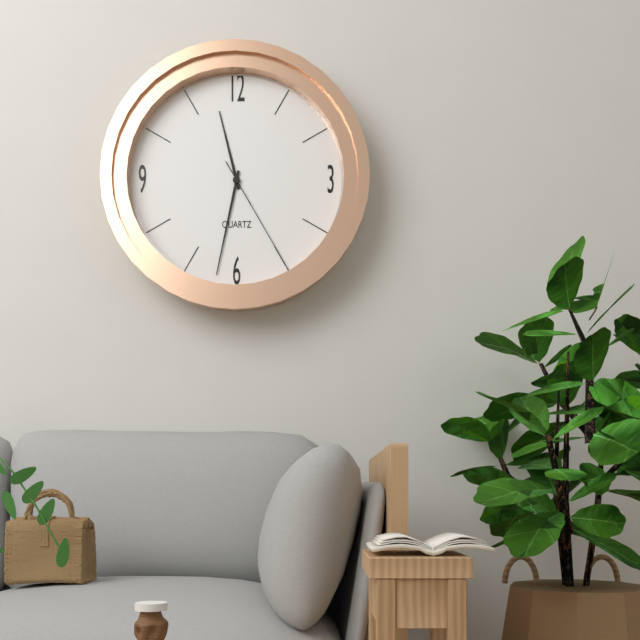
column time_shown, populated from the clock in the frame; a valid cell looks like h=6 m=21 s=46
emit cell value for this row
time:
h=11 m=32 s=25
